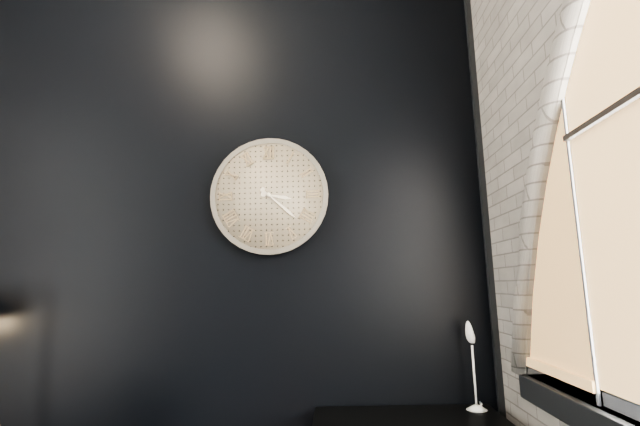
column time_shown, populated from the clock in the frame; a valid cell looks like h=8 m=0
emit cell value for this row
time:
h=3 m=22
